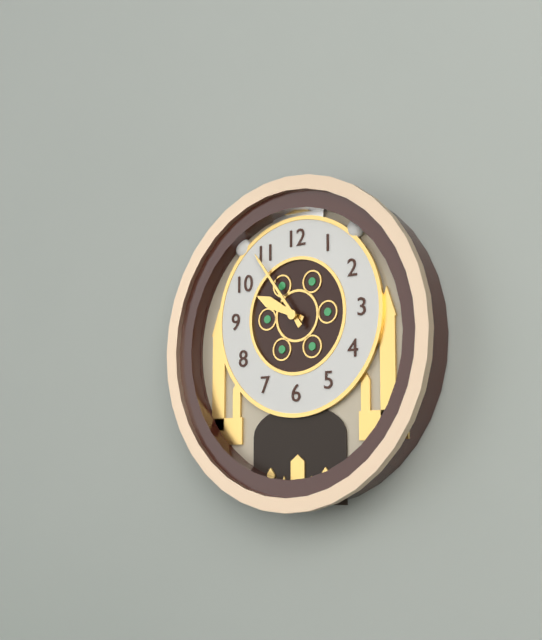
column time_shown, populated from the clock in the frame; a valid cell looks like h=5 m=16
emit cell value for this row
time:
h=9 m=54
